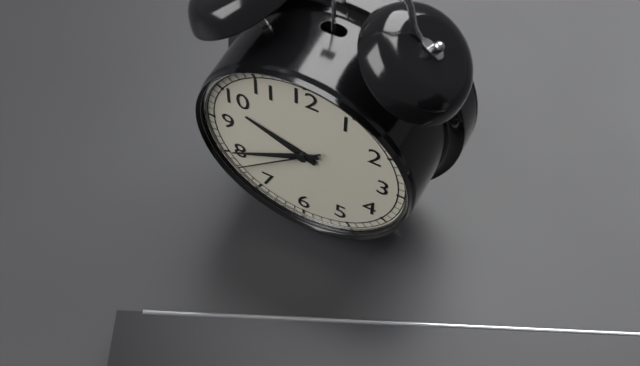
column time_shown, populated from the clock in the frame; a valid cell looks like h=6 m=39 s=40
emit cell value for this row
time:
h=9 m=40 s=38
